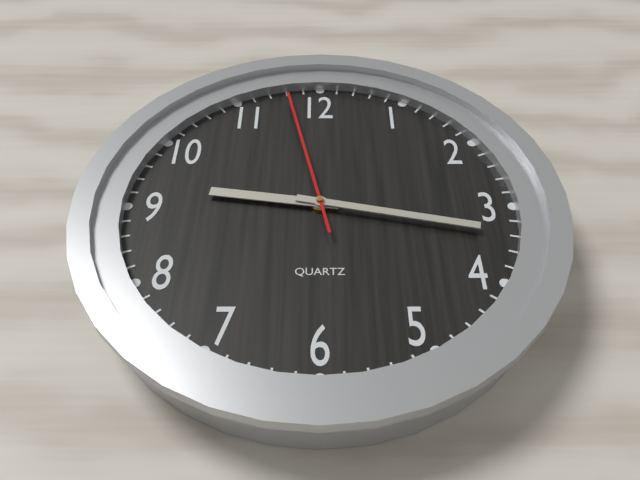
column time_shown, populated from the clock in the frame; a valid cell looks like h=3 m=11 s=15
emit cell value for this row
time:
h=9 m=17 s=58
